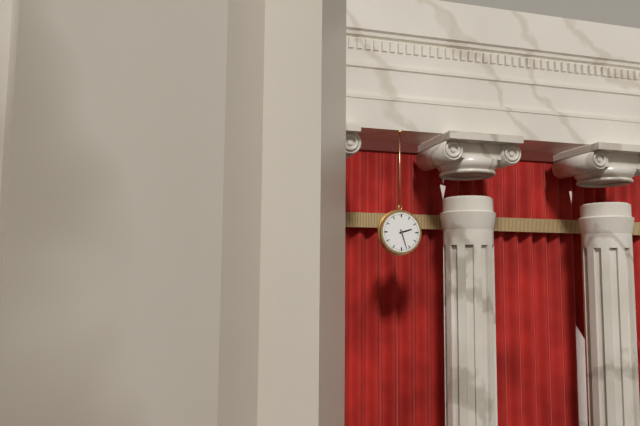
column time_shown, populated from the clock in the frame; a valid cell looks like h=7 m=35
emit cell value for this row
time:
h=2 m=27
